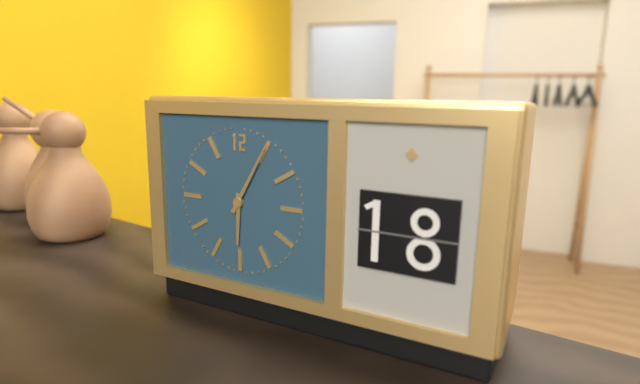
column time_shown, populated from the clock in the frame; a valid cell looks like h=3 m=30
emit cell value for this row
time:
h=6 m=5
